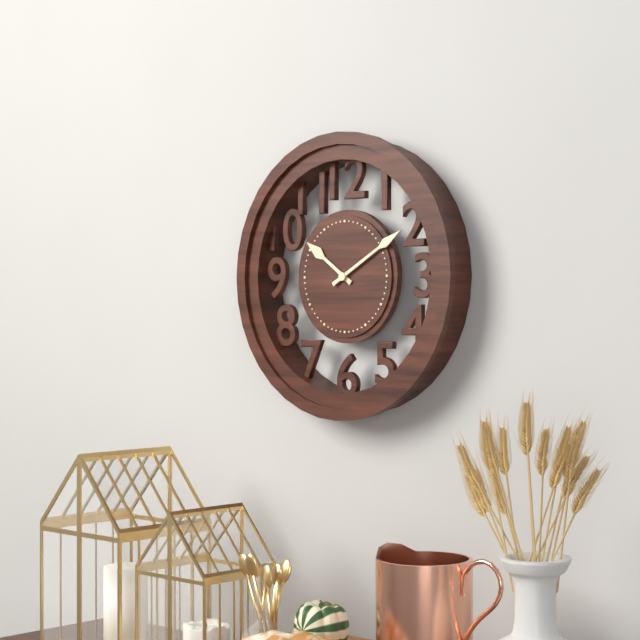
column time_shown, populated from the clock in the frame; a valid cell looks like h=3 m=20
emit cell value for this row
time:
h=10 m=10
